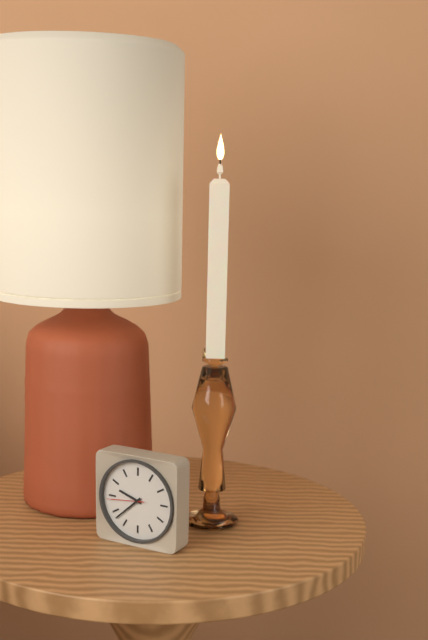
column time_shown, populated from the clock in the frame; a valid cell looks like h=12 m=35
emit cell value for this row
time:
h=9 m=38
